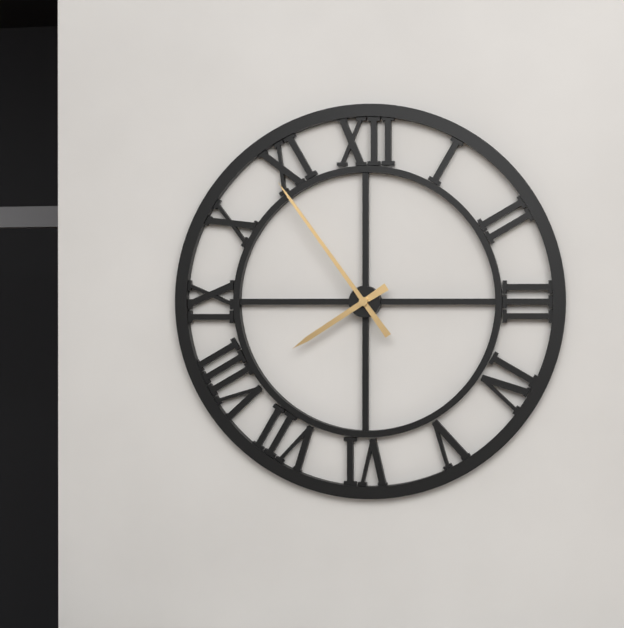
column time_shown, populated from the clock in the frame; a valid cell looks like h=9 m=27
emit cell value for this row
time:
h=7 m=54
